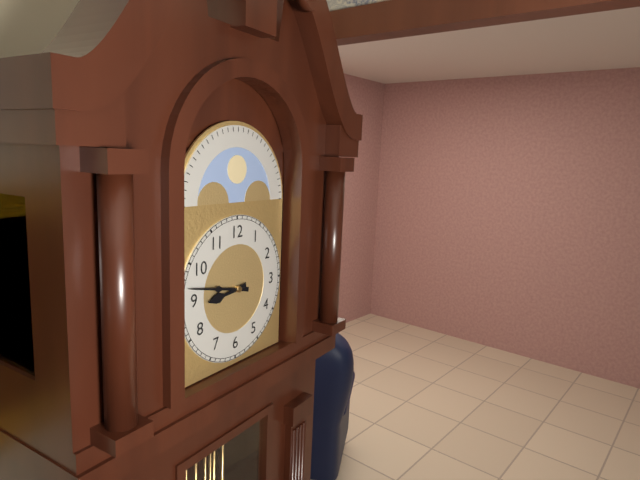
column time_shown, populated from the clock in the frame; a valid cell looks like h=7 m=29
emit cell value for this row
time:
h=8 m=47
